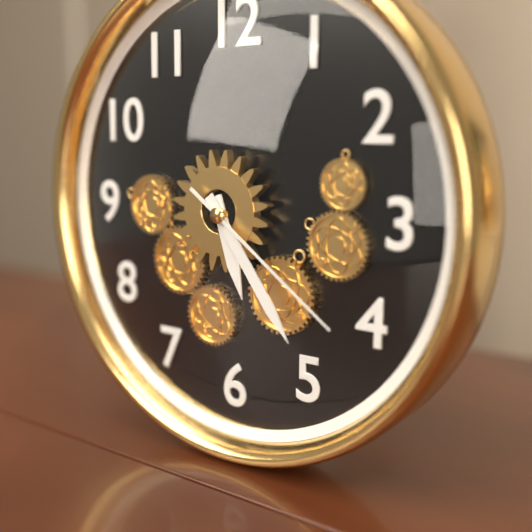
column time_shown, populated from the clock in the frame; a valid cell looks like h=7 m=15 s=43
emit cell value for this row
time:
h=5 m=24 s=21
